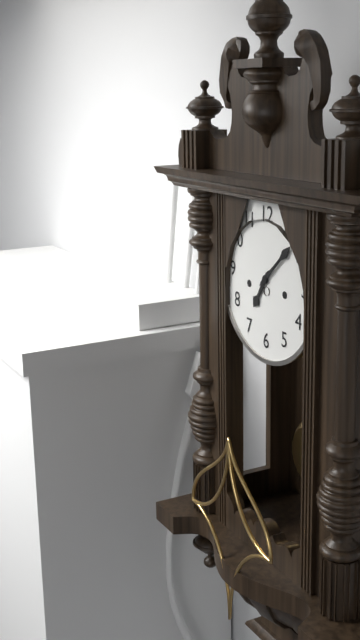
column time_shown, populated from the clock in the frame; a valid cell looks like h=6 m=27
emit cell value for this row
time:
h=7 m=8
